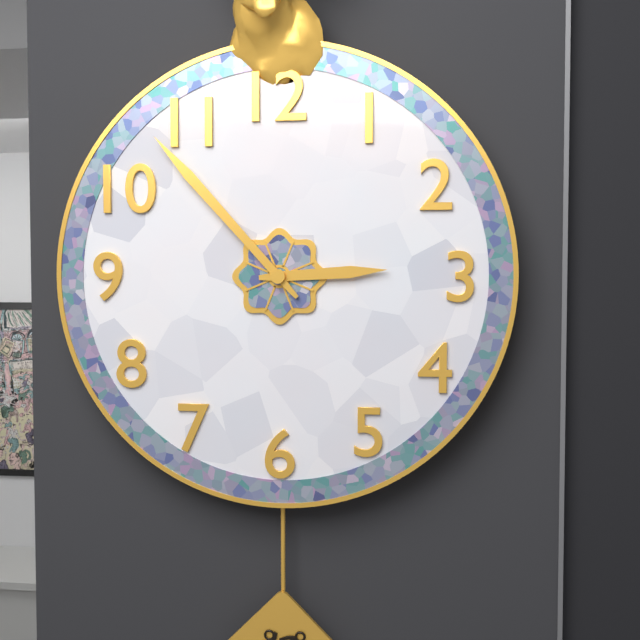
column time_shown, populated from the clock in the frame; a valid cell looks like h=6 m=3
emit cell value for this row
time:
h=2 m=53
